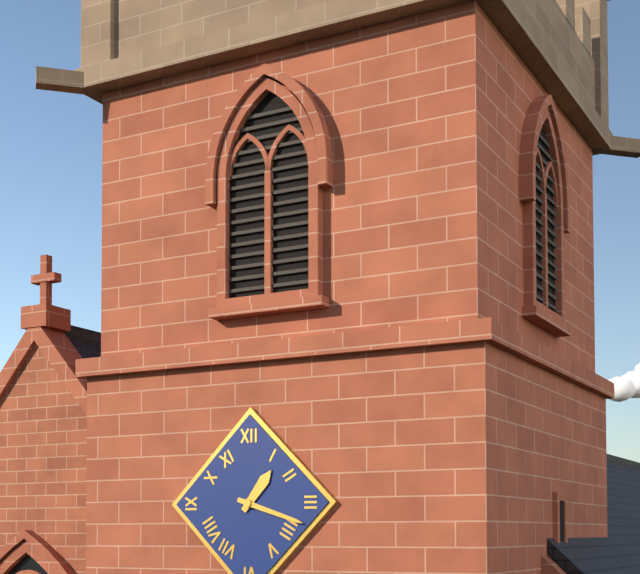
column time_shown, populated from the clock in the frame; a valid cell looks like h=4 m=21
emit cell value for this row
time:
h=1 m=18
